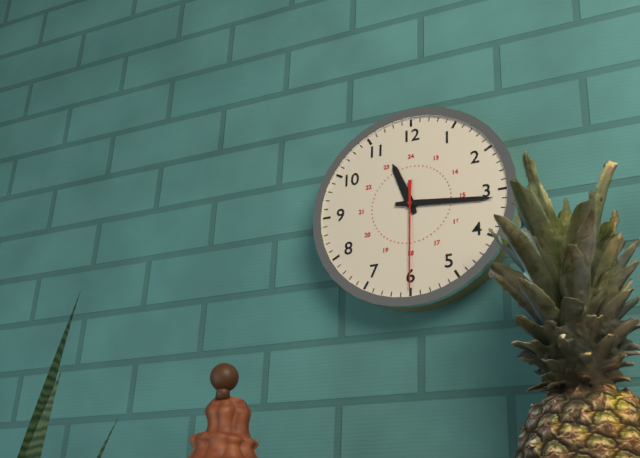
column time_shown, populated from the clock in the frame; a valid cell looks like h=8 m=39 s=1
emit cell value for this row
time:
h=11 m=16 s=30
